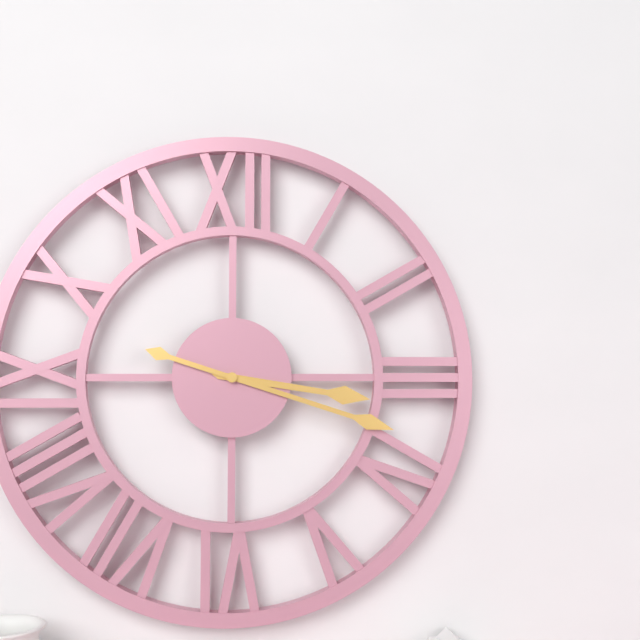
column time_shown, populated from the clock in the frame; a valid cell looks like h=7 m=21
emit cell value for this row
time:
h=3 m=18
